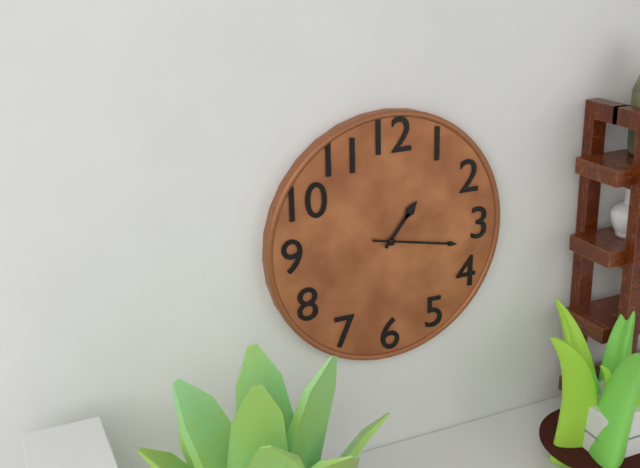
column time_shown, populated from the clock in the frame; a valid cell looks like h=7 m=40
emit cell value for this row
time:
h=1 m=17
